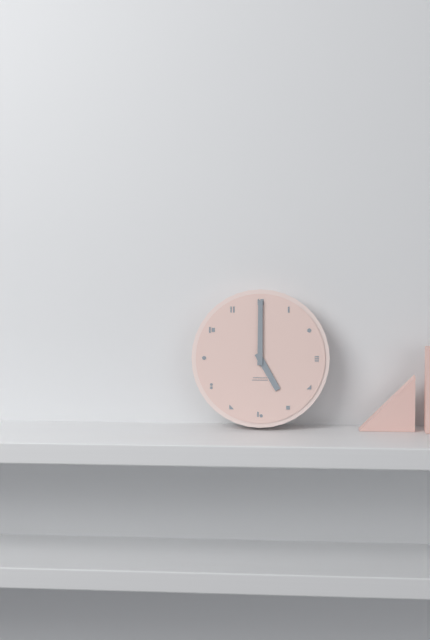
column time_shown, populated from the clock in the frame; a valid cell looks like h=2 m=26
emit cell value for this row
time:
h=5 m=0
